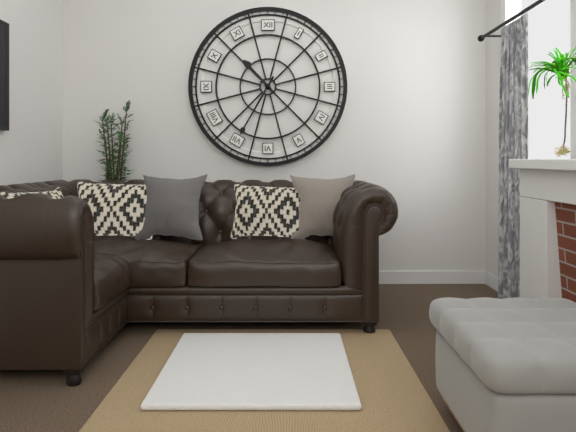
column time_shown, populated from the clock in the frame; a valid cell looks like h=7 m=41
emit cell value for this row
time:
h=10 m=35
